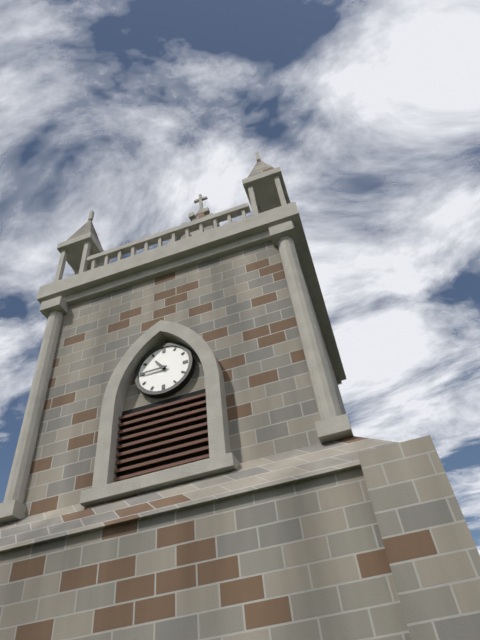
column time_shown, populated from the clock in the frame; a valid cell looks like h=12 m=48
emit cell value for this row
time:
h=10 m=45
